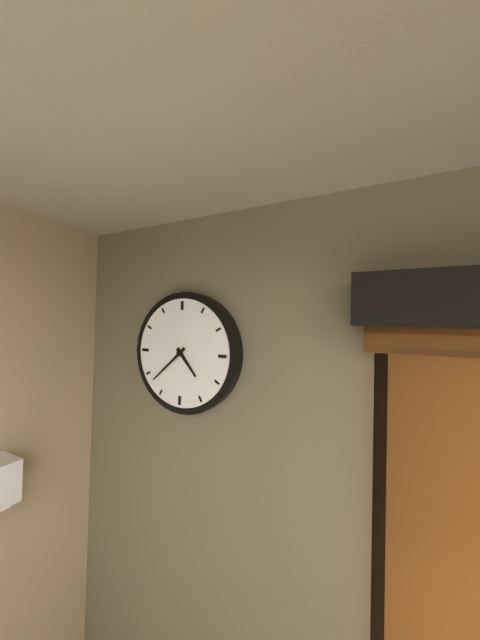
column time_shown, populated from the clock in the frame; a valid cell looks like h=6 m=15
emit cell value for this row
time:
h=4 m=38
